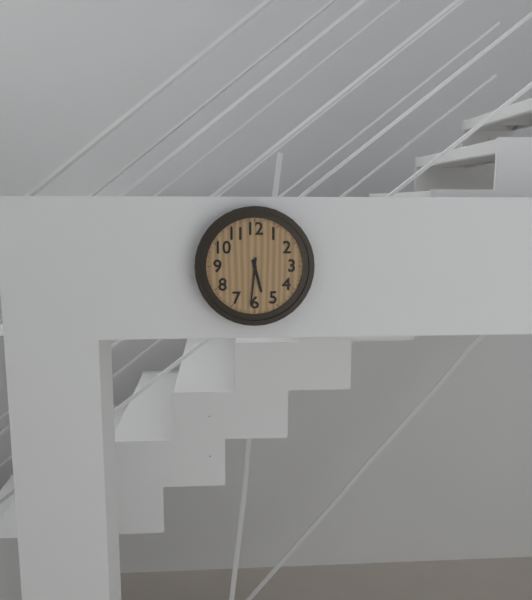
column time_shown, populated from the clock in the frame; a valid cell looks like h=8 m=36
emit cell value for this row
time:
h=5 m=31
